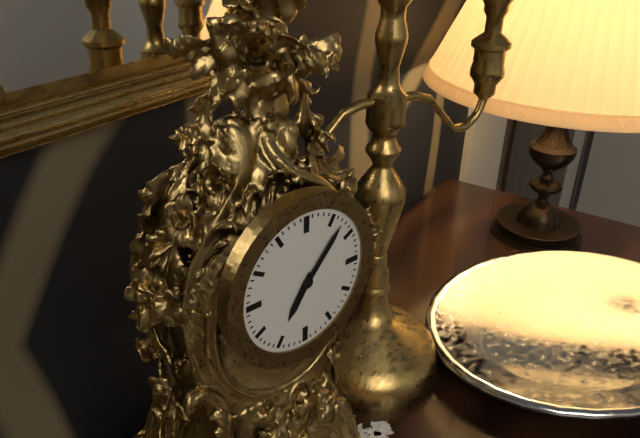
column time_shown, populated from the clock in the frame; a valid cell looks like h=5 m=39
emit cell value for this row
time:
h=7 m=7
